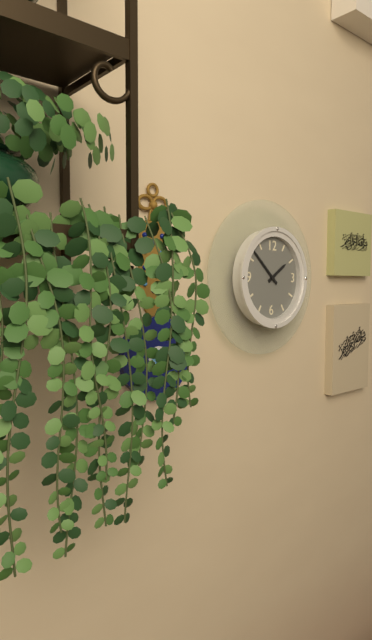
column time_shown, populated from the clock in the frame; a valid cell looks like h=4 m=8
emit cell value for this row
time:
h=1 m=52
